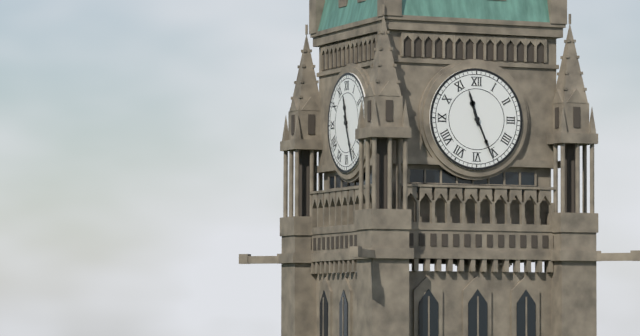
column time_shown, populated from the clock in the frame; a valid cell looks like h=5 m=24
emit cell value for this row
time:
h=11 m=26
